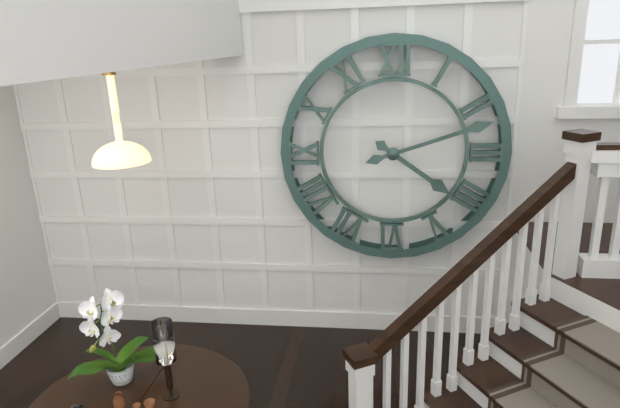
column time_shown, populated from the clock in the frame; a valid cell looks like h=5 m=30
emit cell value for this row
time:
h=4 m=12
